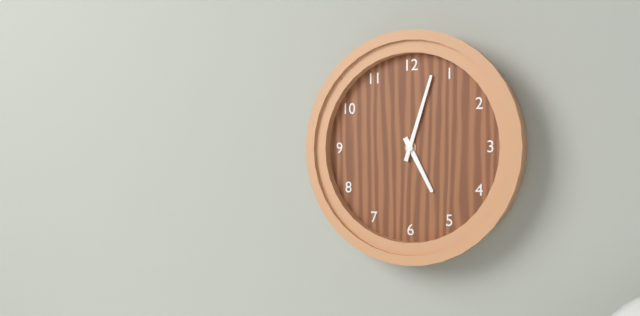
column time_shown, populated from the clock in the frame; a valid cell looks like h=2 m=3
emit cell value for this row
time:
h=5 m=3
